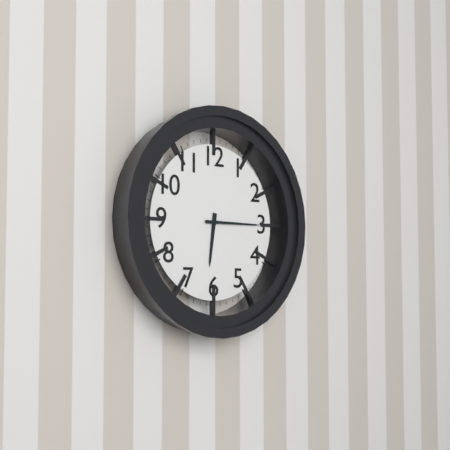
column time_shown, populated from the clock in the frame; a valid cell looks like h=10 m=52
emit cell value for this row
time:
h=6 m=15
